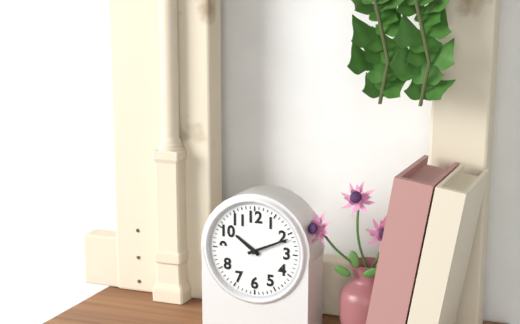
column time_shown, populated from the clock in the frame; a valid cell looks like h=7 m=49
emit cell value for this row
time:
h=10 m=11
